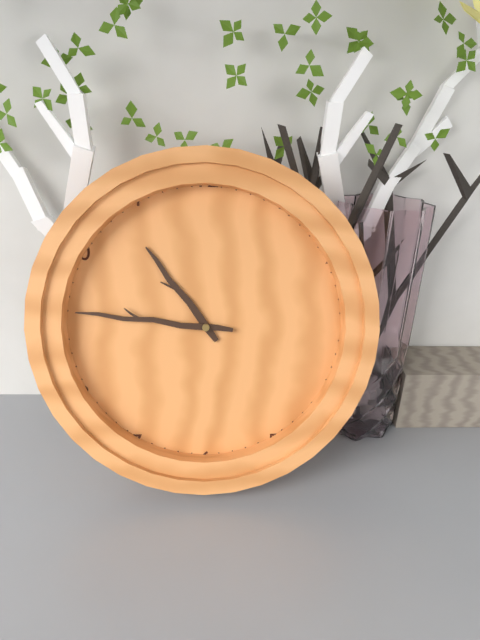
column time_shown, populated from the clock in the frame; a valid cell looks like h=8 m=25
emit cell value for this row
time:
h=10 m=46
